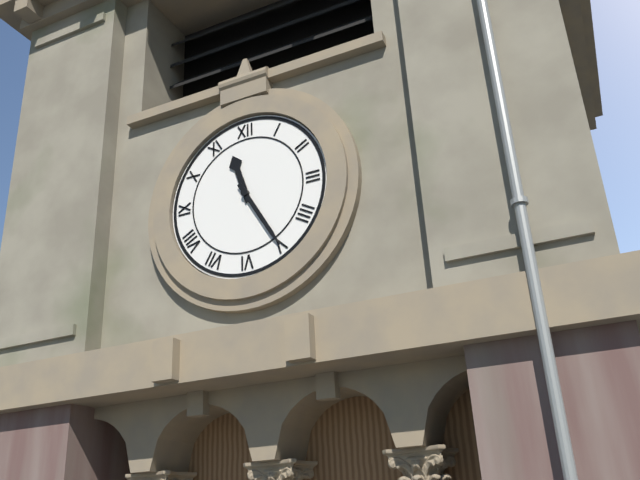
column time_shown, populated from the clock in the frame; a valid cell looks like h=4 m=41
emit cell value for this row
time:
h=11 m=25
